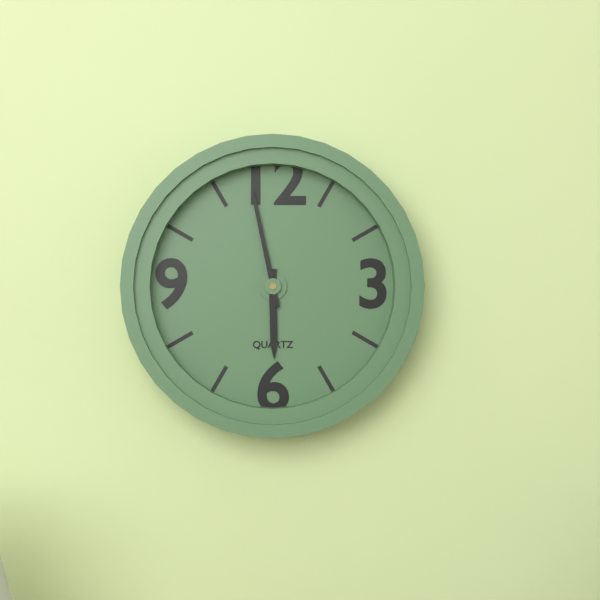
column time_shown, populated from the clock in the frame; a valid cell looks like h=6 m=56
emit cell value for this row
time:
h=5 m=58
